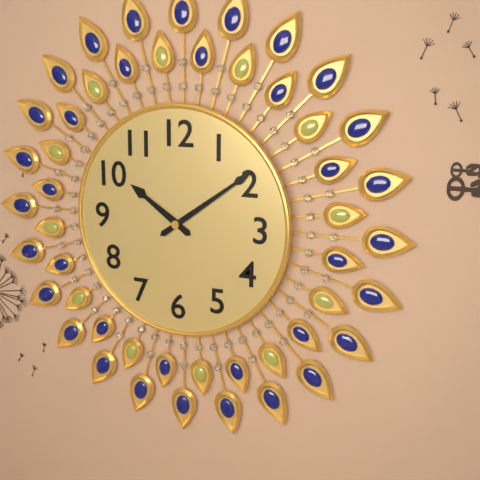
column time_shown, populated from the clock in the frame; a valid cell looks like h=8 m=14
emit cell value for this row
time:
h=10 m=9
